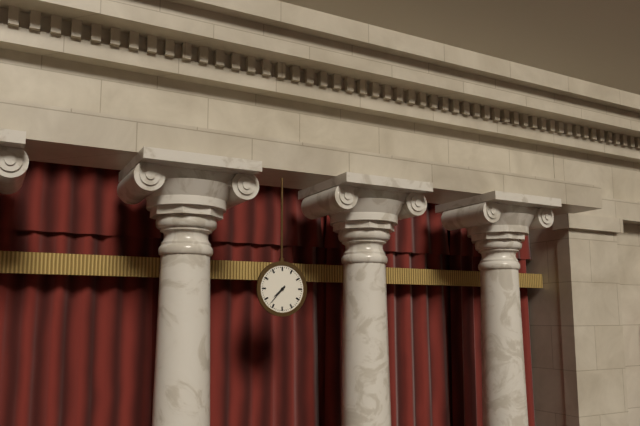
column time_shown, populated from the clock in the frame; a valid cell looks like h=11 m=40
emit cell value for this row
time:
h=7 m=37
